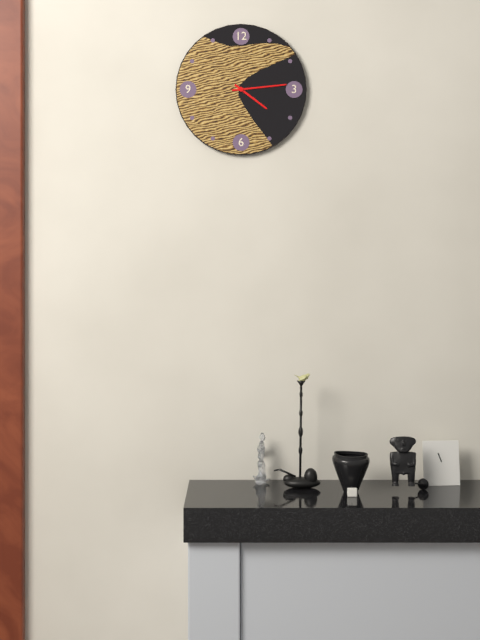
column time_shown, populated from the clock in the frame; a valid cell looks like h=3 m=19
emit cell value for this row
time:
h=4 m=14
